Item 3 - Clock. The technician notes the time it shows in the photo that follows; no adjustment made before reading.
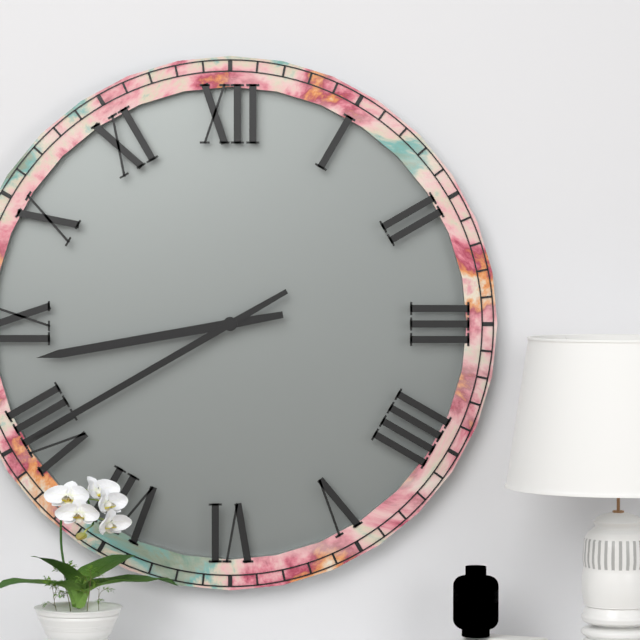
8:40
